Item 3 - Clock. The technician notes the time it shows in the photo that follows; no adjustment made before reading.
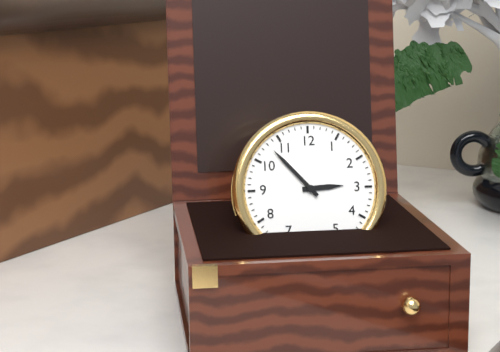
2:53
